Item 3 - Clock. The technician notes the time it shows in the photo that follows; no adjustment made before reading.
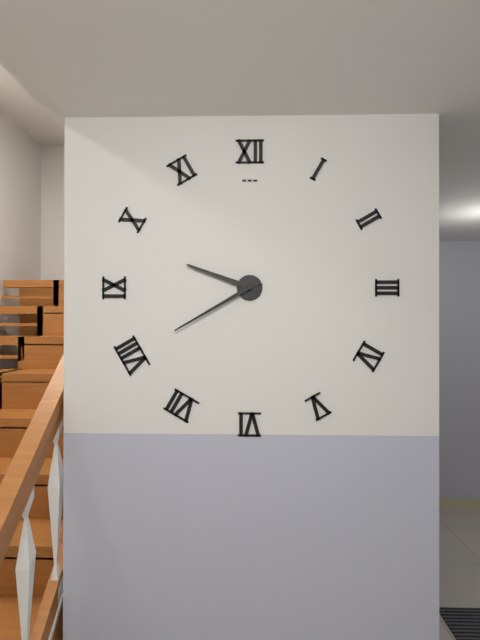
9:40
